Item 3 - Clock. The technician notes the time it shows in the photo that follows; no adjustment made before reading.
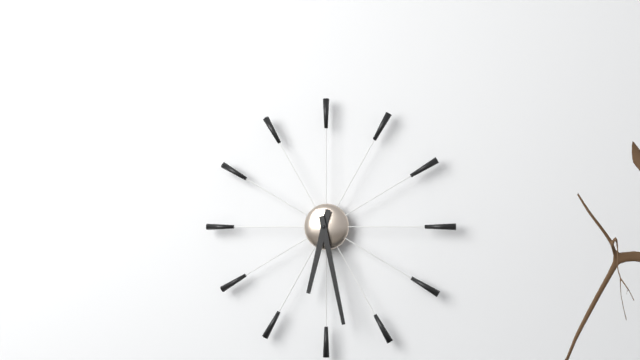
6:28
